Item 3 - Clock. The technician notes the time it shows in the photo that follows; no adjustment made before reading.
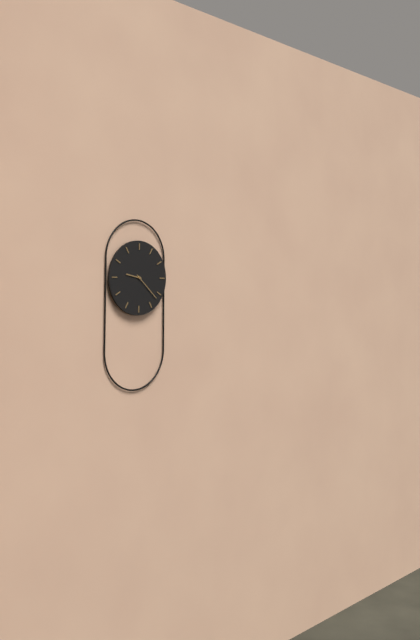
9:22
